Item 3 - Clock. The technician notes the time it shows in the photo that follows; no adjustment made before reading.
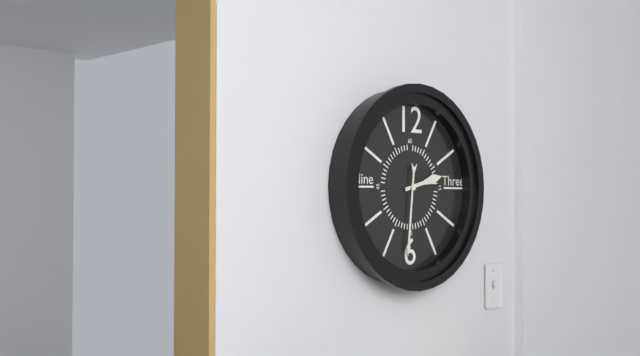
2:31
